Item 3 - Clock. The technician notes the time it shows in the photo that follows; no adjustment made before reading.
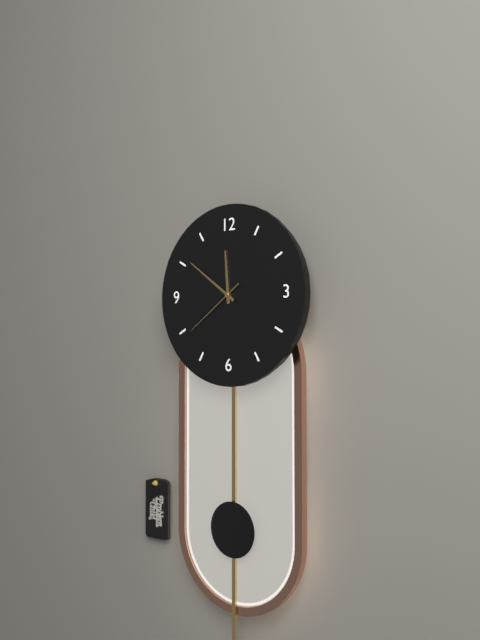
11:51:39
